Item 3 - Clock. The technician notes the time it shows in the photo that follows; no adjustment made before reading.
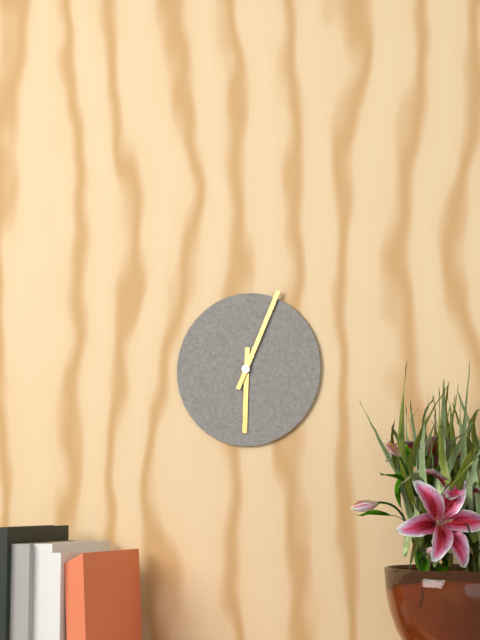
6:04
